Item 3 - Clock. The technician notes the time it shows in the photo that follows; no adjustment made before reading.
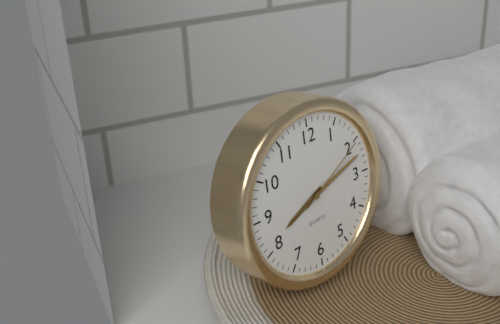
8:12:10
